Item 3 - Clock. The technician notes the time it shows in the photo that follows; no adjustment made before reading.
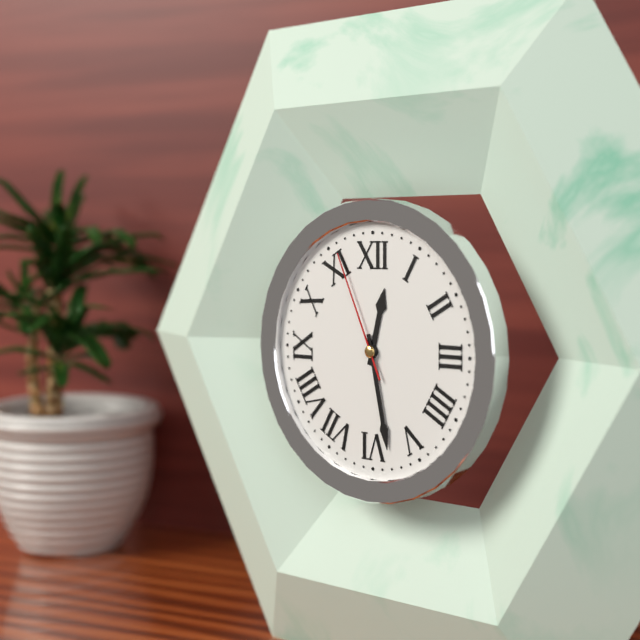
12:28:56
